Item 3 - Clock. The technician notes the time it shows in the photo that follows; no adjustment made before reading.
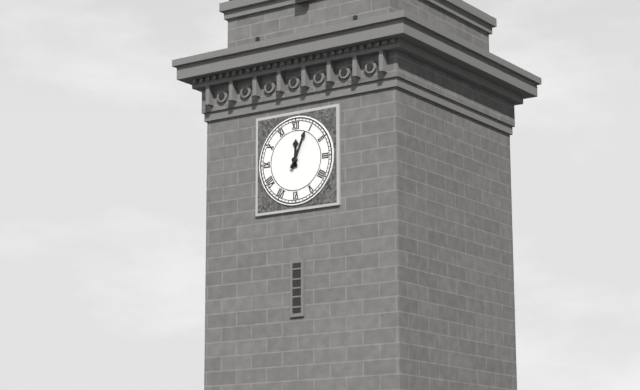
12:04
